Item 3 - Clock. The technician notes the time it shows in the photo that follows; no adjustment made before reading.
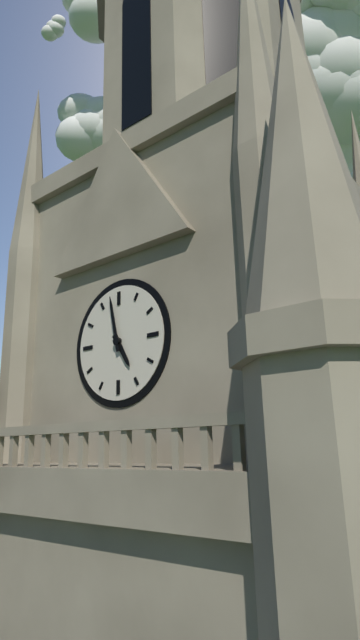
4:58
